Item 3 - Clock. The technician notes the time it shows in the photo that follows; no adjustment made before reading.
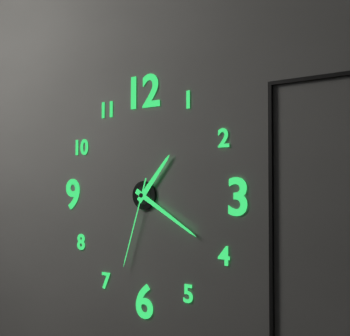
1:20:33
